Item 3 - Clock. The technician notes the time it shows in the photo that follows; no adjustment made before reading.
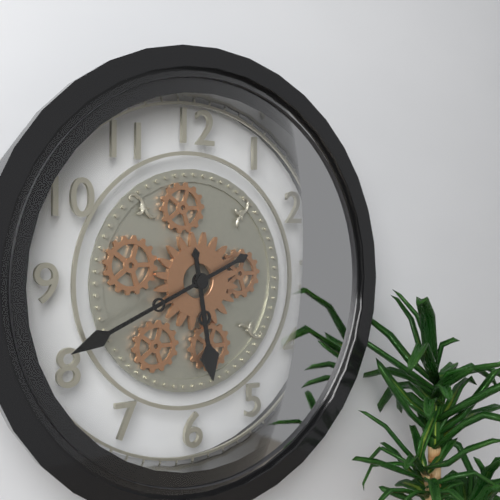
5:41
